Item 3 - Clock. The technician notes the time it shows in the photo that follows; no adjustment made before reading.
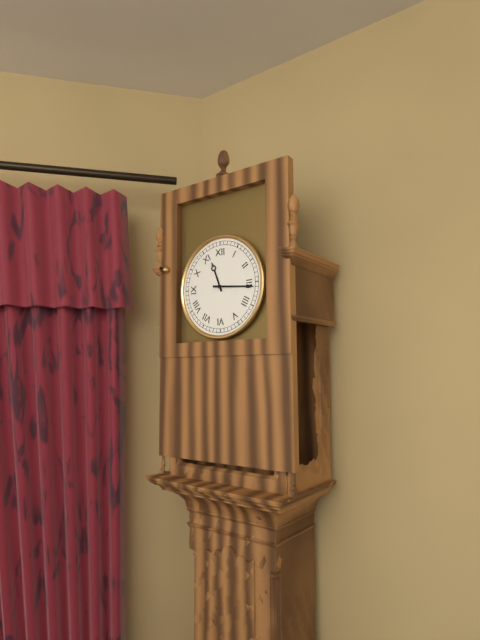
11:16
